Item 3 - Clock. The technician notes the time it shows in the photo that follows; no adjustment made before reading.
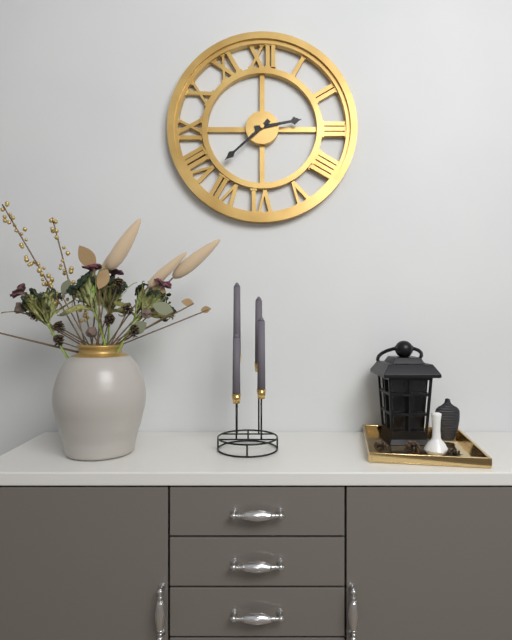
2:38
